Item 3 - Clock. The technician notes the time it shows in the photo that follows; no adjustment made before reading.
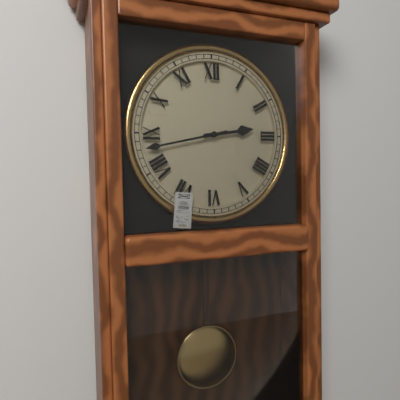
2:43
